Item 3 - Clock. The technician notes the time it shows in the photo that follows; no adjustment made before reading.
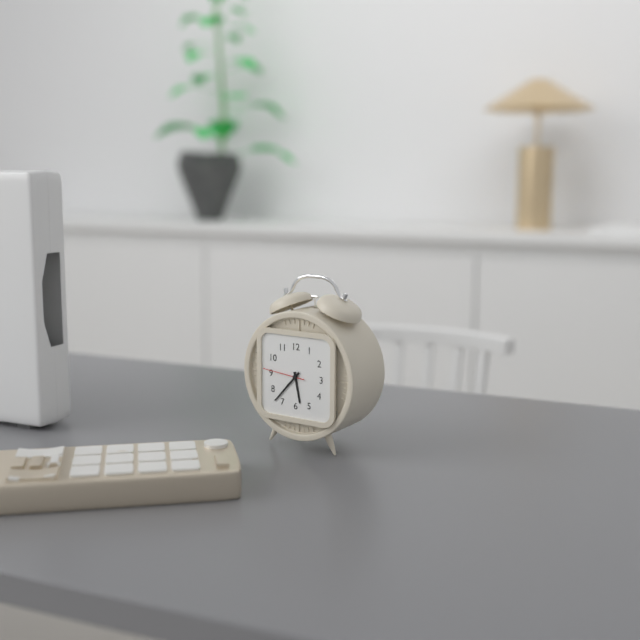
5:37
